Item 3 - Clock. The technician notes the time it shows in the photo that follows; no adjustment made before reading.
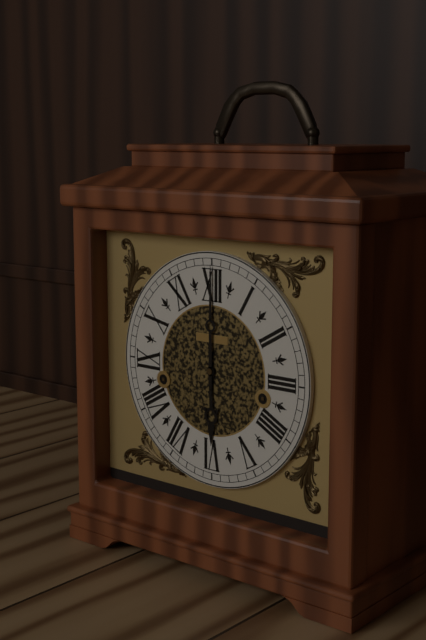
6:00
